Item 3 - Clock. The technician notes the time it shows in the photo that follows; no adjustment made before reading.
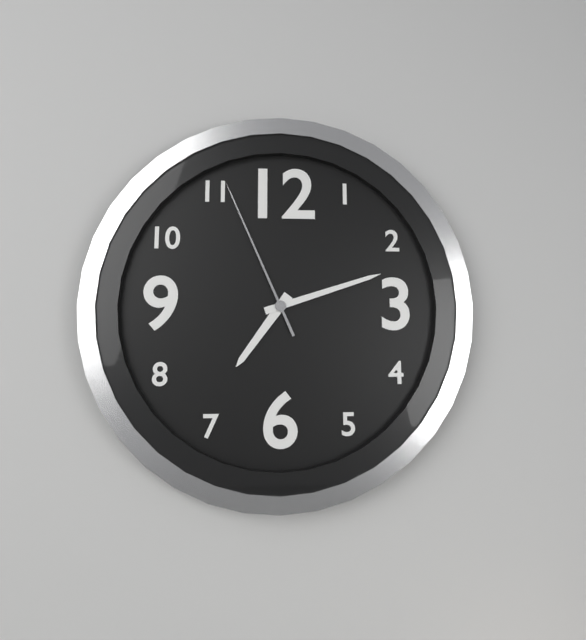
7:12:56
